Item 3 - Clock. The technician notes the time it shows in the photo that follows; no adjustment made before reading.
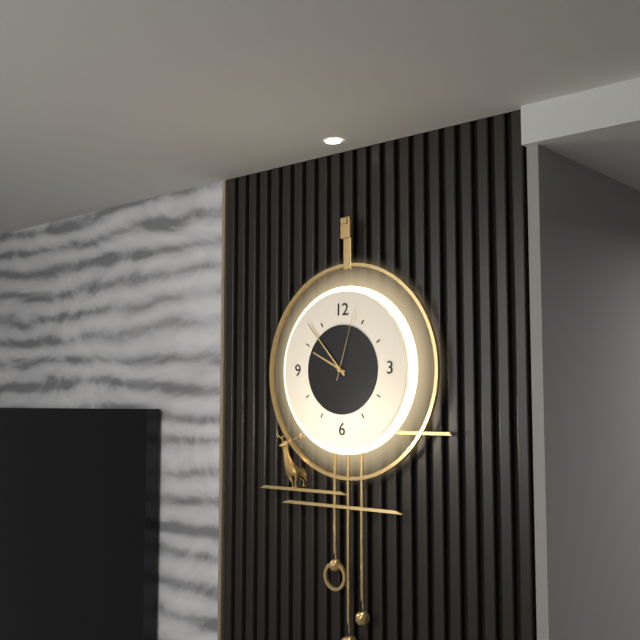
9:53:03
